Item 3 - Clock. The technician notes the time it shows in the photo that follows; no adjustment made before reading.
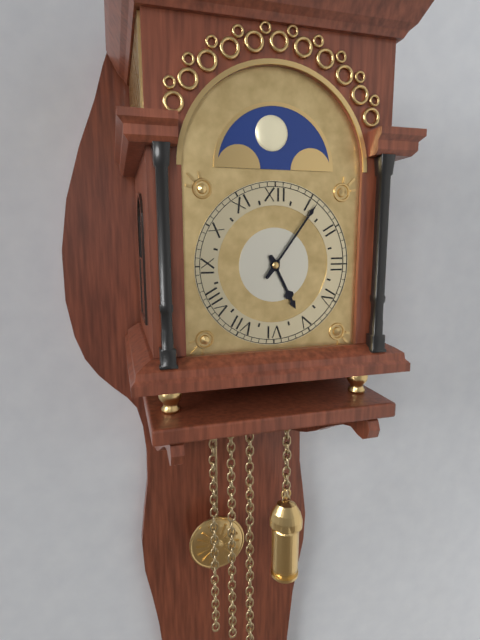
5:06
